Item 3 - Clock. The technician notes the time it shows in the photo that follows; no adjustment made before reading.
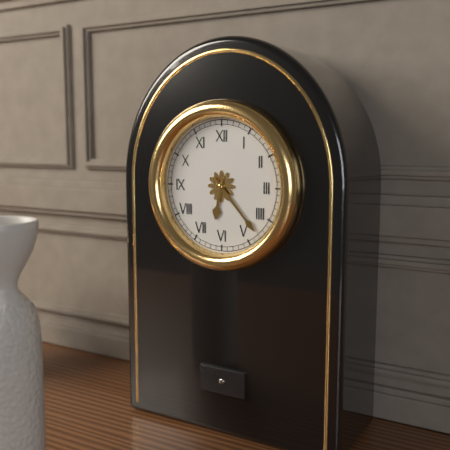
6:23
